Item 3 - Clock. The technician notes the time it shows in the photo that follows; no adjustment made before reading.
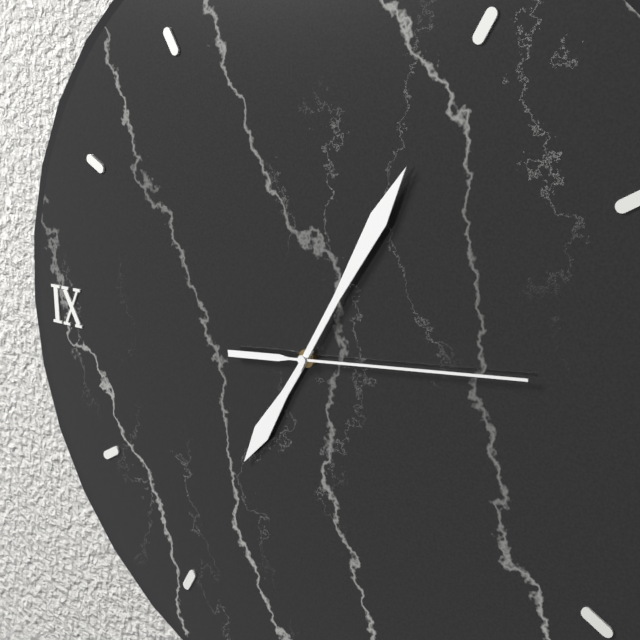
7:05:14
